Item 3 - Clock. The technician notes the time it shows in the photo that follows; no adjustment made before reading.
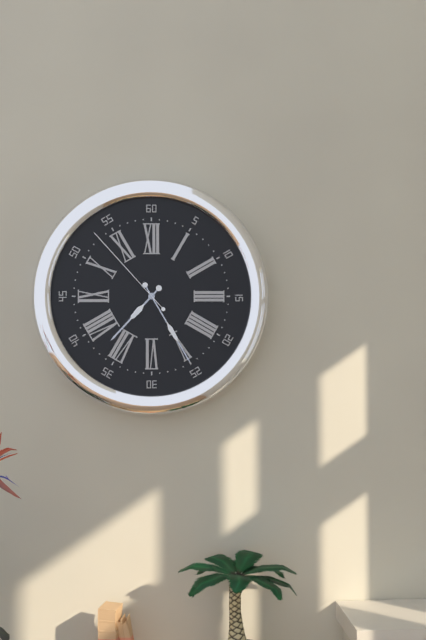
7:25:53
